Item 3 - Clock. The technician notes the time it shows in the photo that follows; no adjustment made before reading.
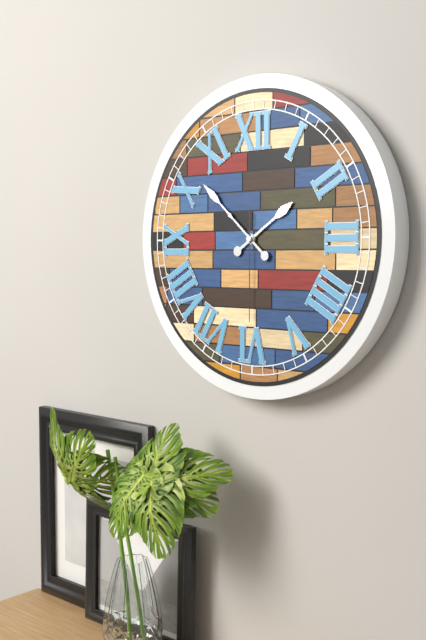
1:52:30
